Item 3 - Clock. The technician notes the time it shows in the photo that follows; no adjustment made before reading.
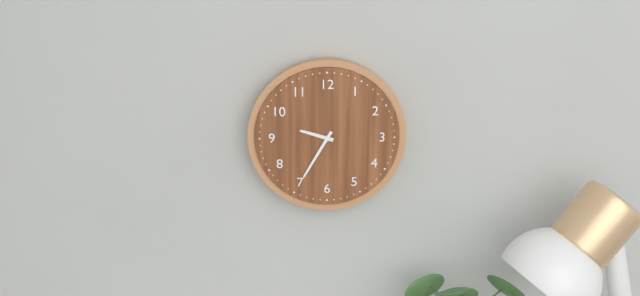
9:35
